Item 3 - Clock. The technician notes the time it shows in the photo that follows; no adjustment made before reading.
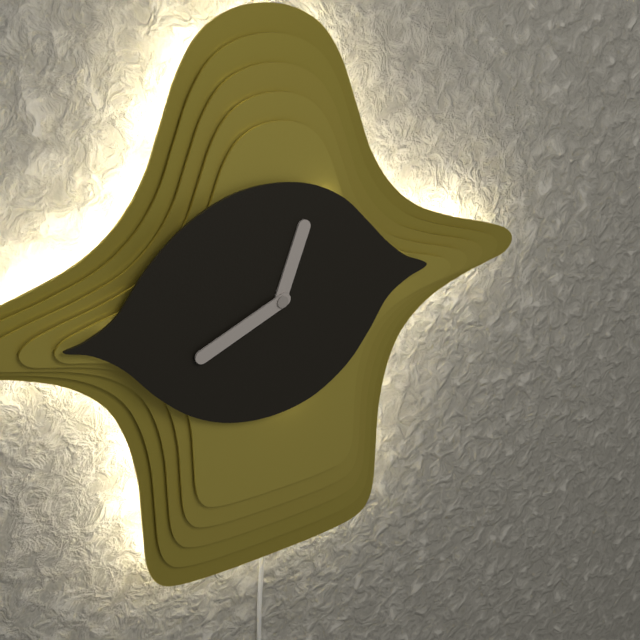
12:41
